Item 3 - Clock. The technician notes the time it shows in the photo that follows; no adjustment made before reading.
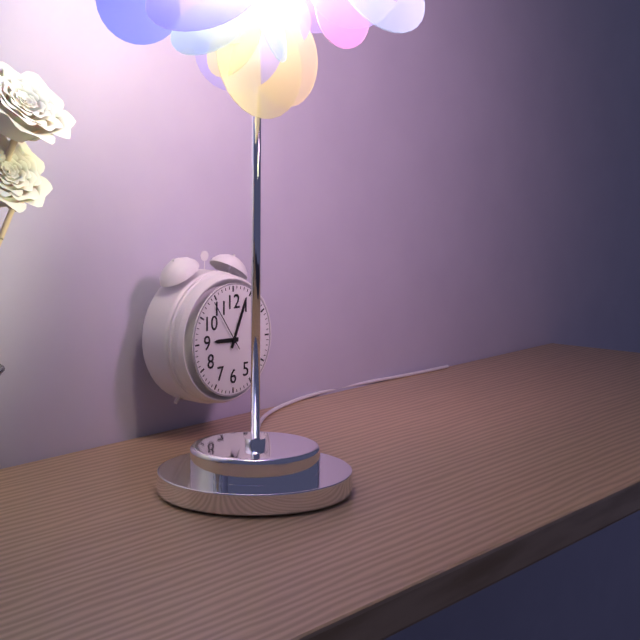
9:04:54
